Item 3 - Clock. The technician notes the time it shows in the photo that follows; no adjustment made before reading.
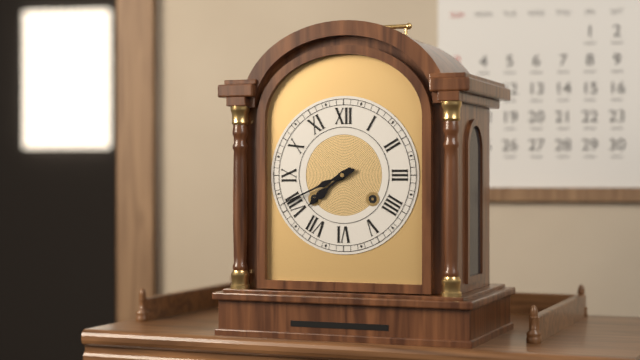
7:41
